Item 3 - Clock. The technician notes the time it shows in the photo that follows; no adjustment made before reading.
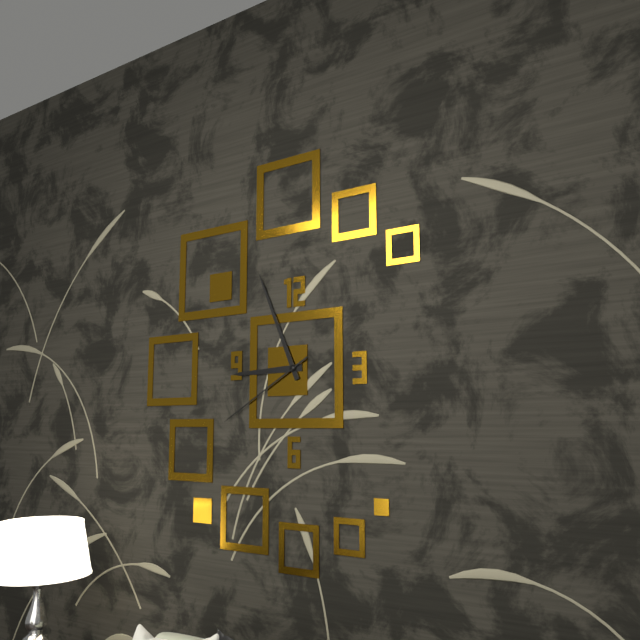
8:56:40
